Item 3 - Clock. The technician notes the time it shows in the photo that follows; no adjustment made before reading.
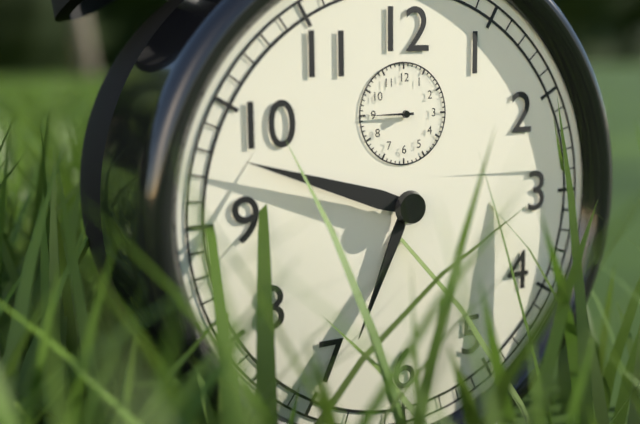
6:48
